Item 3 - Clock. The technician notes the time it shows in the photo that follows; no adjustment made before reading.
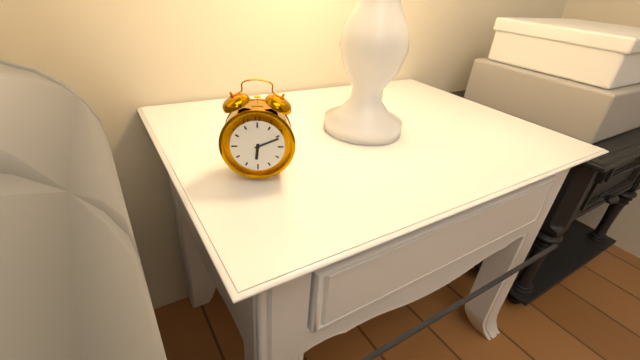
6:11
